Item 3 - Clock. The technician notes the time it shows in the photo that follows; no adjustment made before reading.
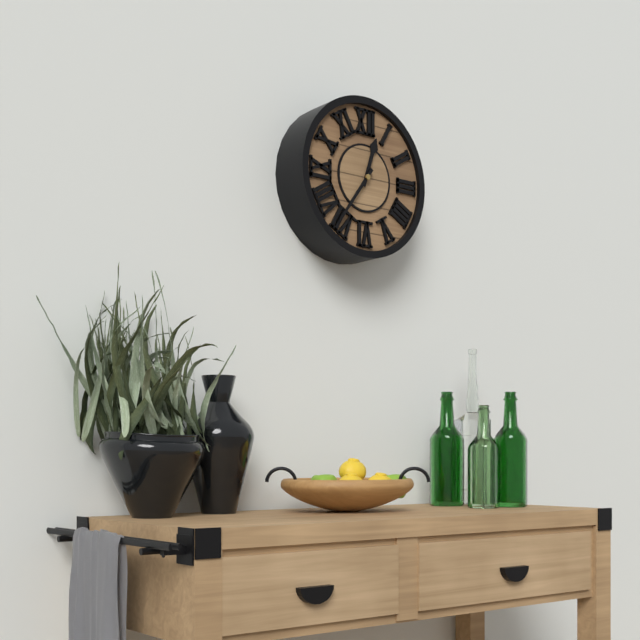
12:36
